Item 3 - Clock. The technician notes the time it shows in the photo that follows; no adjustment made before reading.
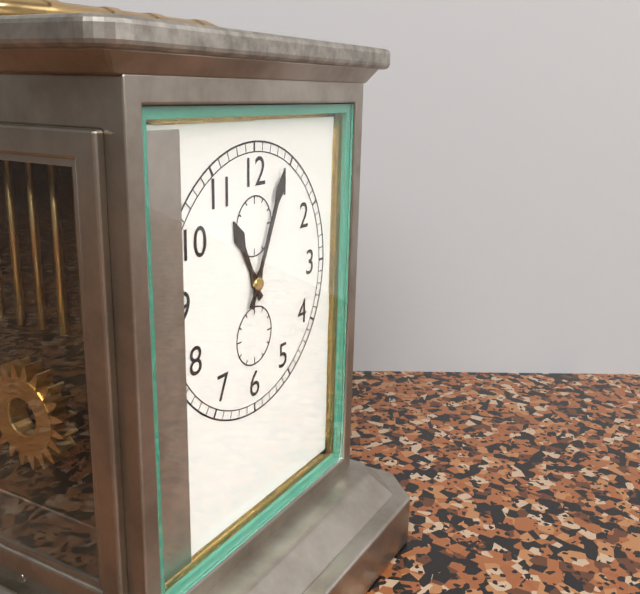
11:04
